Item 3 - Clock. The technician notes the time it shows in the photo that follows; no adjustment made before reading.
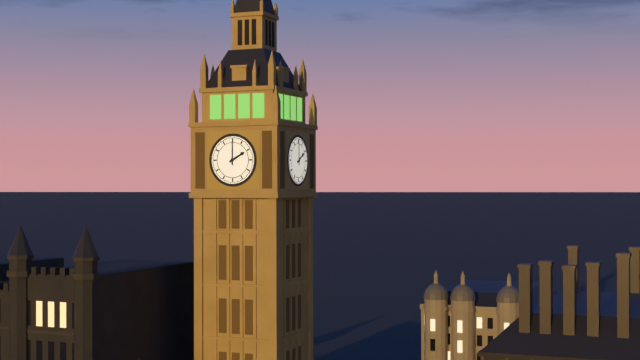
2:00
